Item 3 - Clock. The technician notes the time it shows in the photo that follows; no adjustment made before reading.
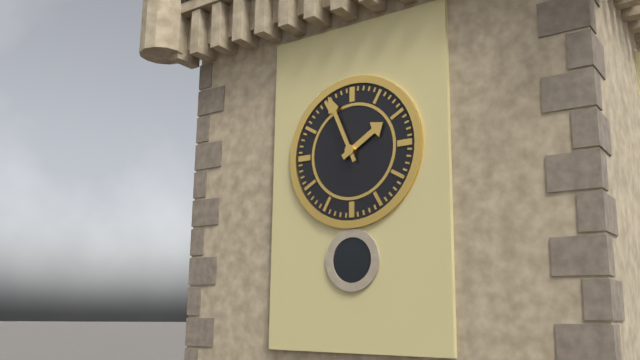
1:56
